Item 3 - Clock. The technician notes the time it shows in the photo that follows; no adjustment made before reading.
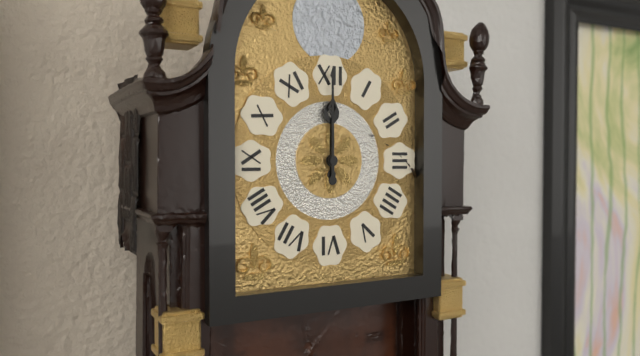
12:00
